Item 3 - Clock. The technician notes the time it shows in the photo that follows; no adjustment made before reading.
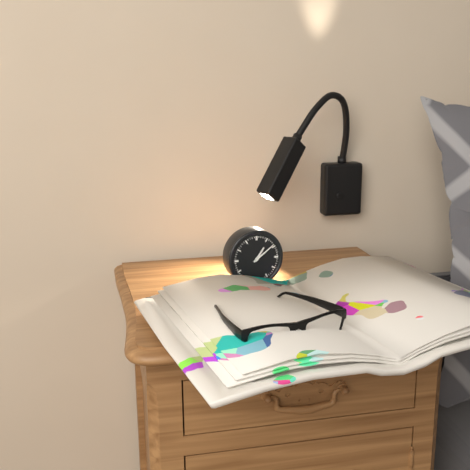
1:09
